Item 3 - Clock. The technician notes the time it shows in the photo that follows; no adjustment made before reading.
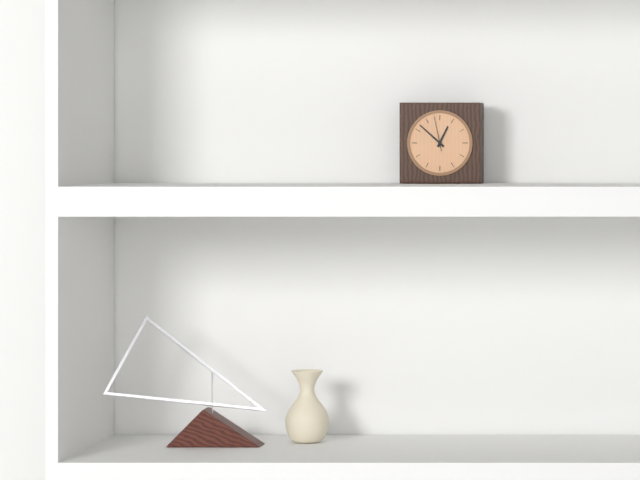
12:52
